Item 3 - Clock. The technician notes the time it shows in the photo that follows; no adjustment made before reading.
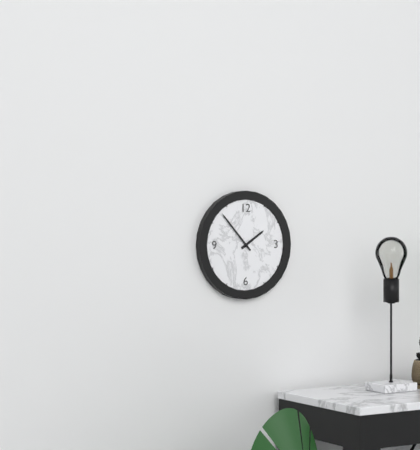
1:53
